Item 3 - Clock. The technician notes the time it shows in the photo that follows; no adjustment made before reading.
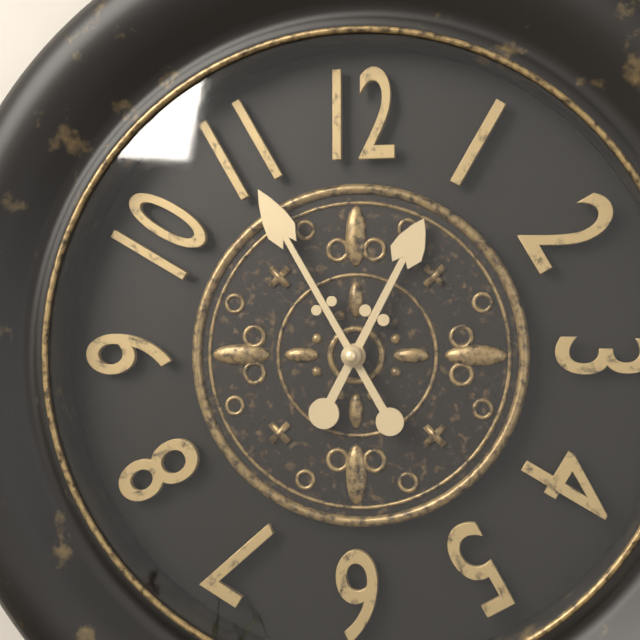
12:55
